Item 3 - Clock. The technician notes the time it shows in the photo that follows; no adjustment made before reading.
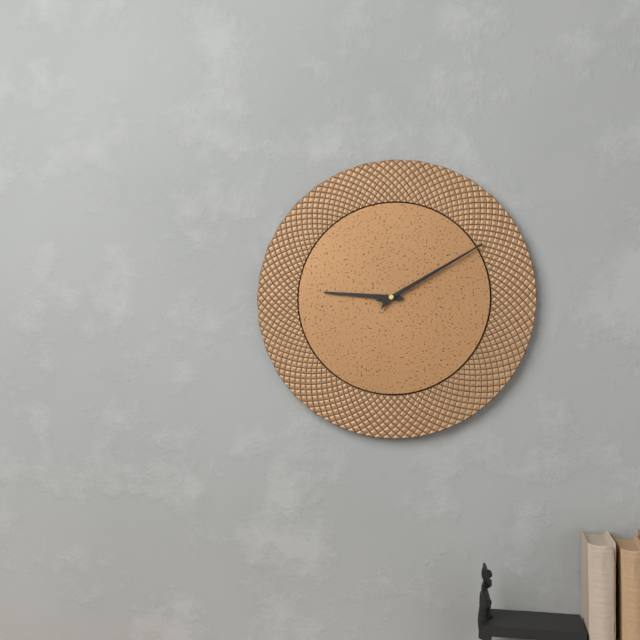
9:10
